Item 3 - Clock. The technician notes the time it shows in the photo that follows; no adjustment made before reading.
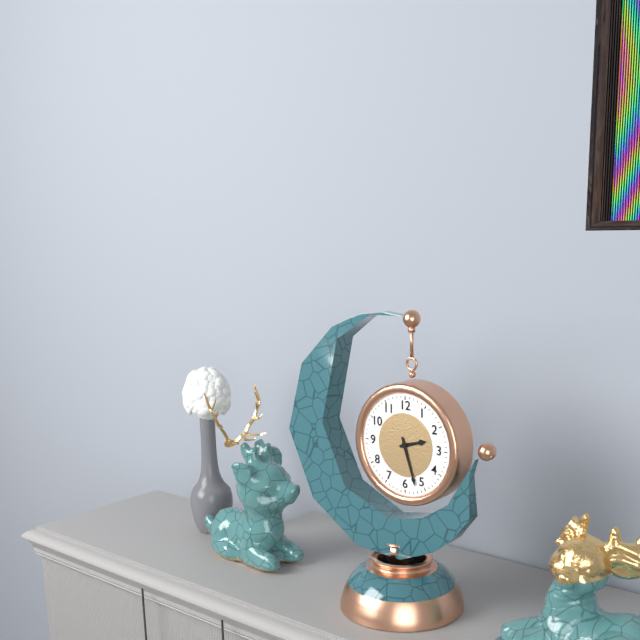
2:27
